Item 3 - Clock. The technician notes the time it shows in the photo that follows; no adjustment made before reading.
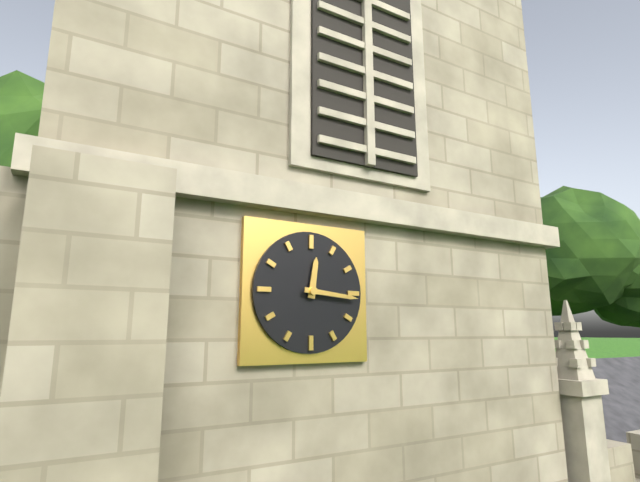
12:16
